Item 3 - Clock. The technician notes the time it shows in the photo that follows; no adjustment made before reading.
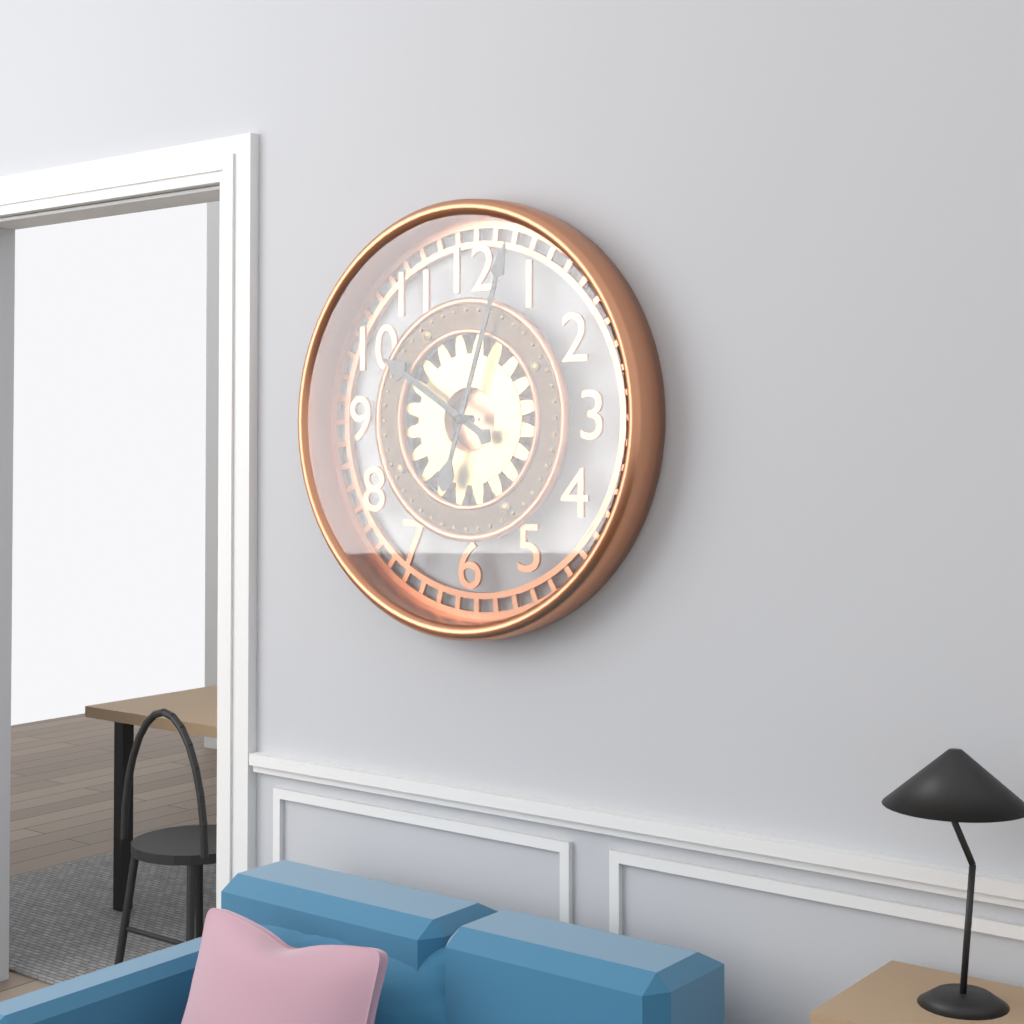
10:03
